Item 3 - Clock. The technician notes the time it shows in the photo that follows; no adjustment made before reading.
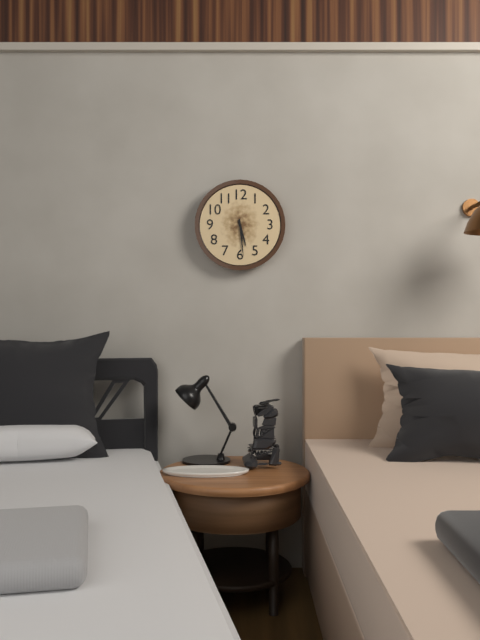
5:29
